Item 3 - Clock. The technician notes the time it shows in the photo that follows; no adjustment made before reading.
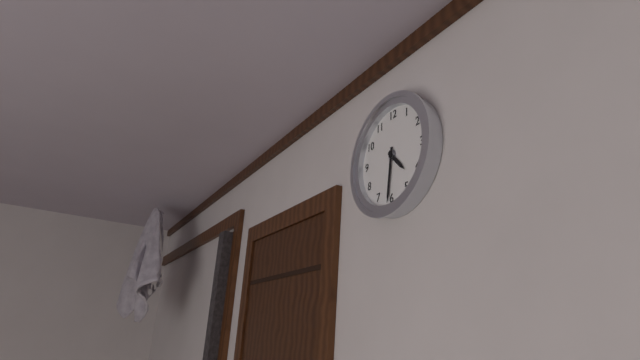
4:31
